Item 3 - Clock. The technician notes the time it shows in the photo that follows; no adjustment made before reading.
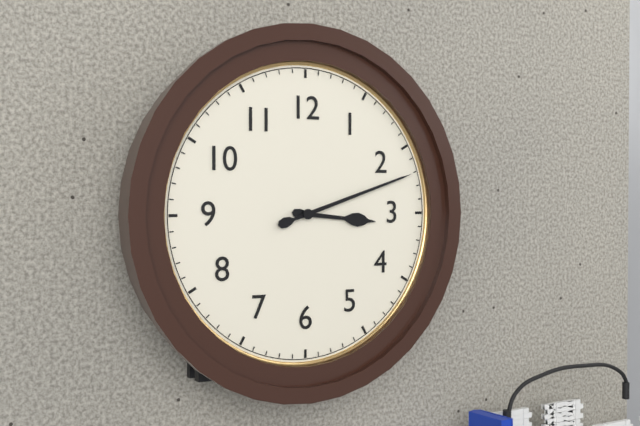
3:12
